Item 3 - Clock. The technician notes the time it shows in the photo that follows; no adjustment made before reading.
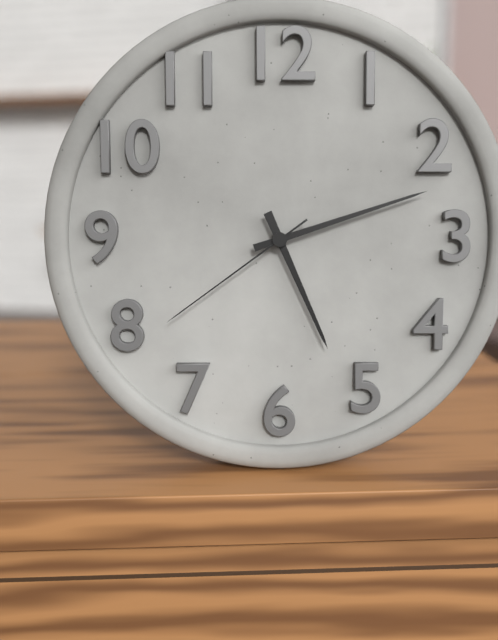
5:12:39
